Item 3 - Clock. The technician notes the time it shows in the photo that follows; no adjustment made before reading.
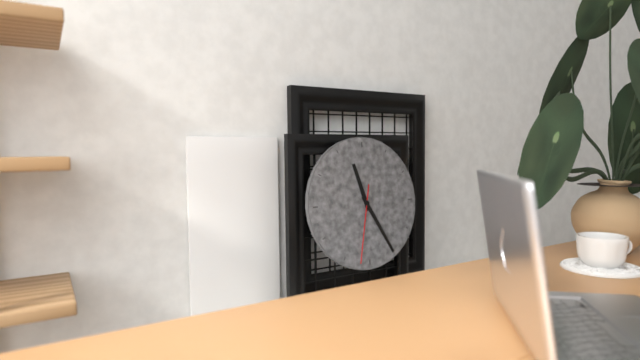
11:25:32
